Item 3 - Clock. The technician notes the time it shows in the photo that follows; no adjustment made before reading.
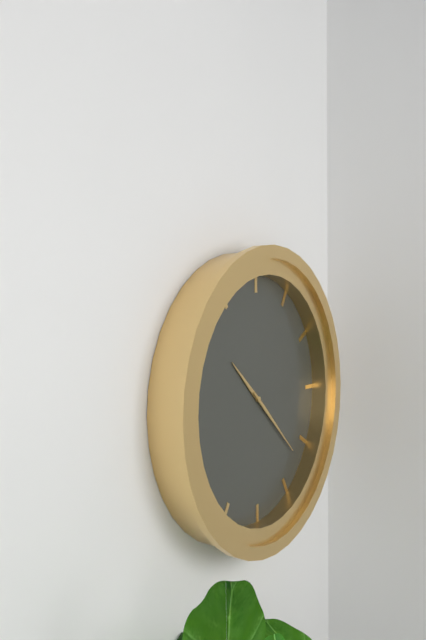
10:22
